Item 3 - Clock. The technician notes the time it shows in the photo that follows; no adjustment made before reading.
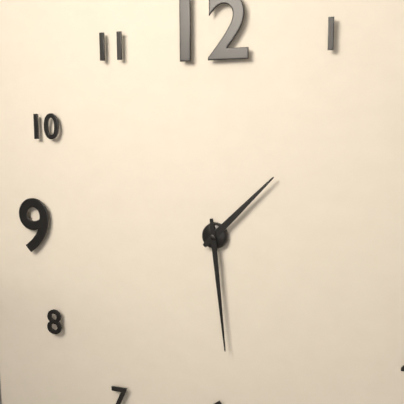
1:29
